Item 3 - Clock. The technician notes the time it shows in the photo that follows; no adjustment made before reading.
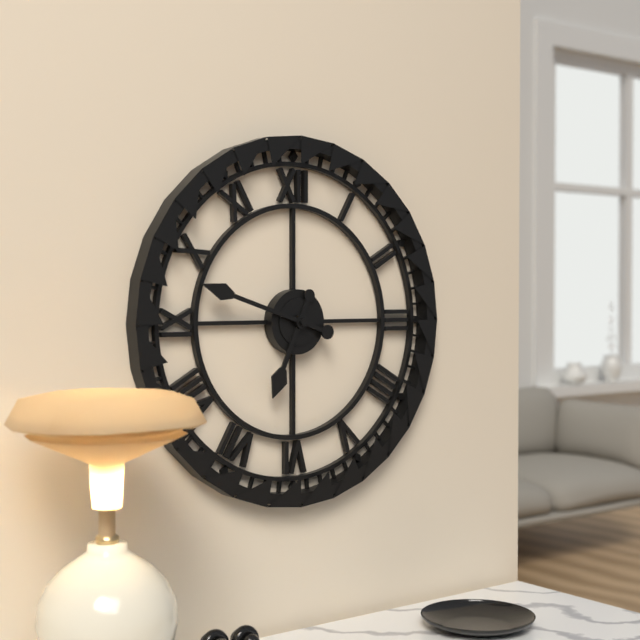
6:48
